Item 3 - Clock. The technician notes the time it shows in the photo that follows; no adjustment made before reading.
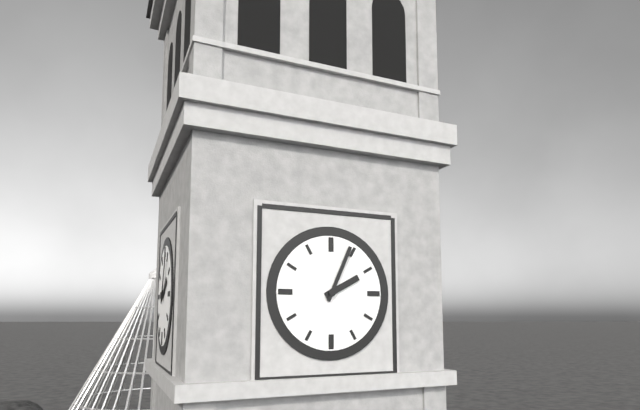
2:04
